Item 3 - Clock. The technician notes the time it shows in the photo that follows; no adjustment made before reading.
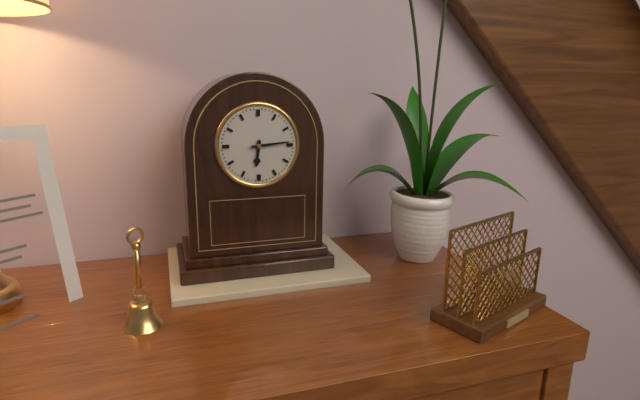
6:14
